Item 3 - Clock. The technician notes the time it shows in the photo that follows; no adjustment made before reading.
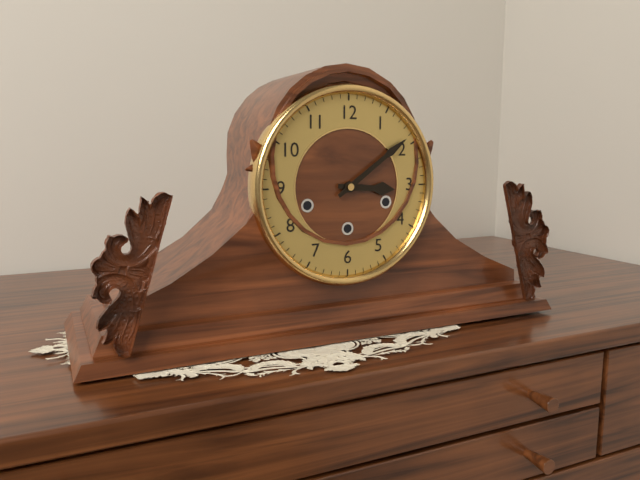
3:09
